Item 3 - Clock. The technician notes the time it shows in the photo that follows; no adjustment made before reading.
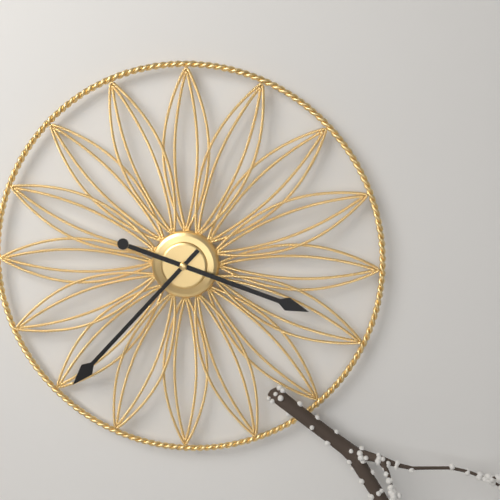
3:37
